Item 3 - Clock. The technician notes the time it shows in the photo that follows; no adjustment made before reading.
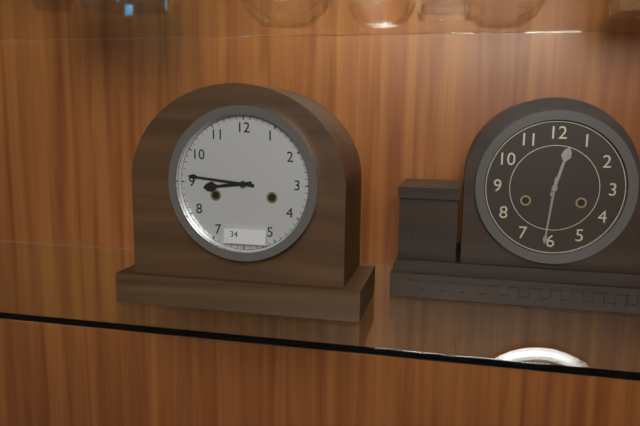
8:46
